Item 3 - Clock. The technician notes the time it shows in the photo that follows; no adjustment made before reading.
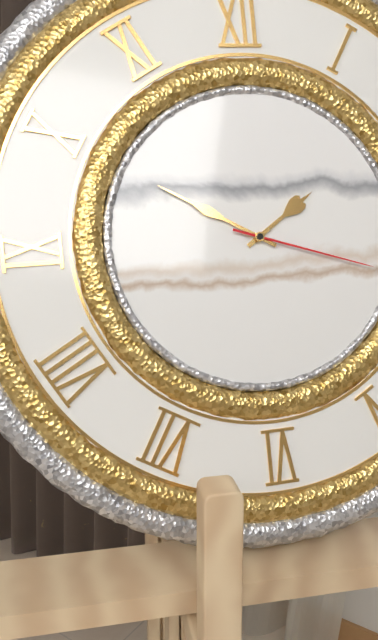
1:50:18
